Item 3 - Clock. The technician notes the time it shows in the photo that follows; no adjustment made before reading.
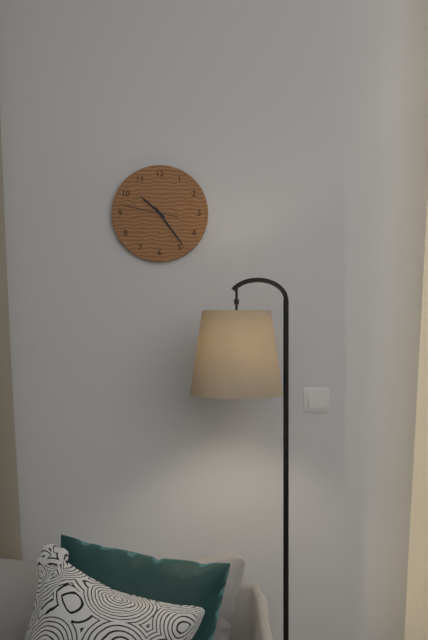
10:24
